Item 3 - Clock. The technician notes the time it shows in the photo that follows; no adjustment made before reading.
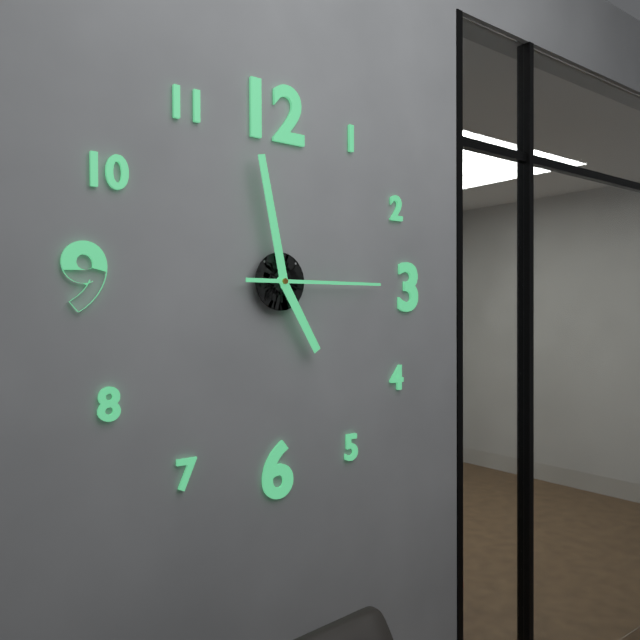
4:58:15
